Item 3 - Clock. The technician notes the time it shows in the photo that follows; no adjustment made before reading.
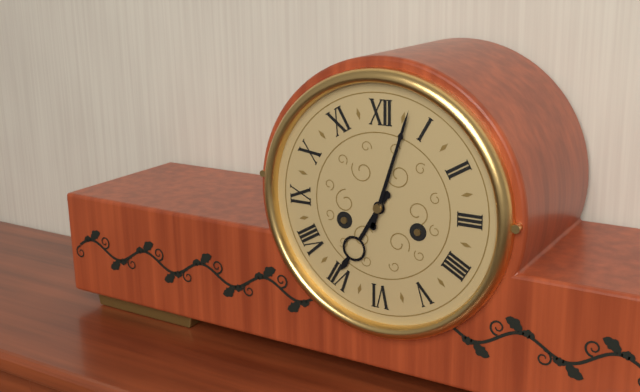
7:03
